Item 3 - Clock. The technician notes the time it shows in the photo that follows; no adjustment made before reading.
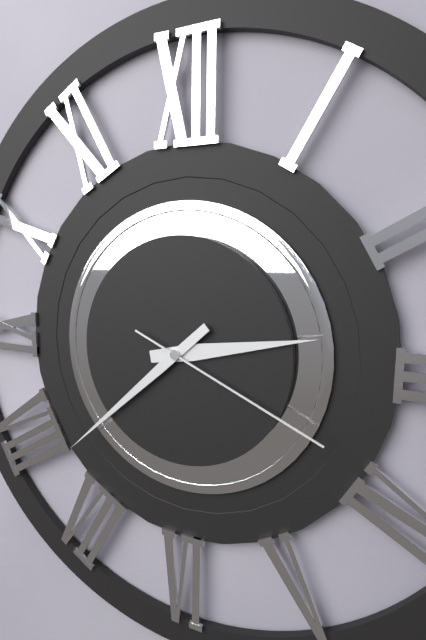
2:38:19
